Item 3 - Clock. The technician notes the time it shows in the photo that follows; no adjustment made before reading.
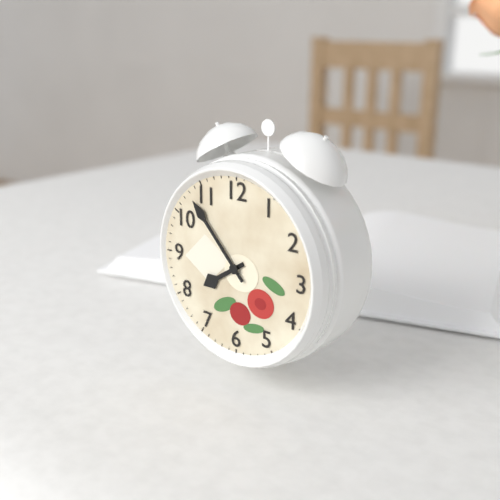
7:53
